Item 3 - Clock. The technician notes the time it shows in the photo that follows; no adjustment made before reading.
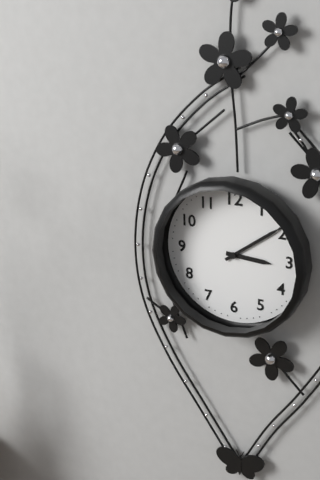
3:09
